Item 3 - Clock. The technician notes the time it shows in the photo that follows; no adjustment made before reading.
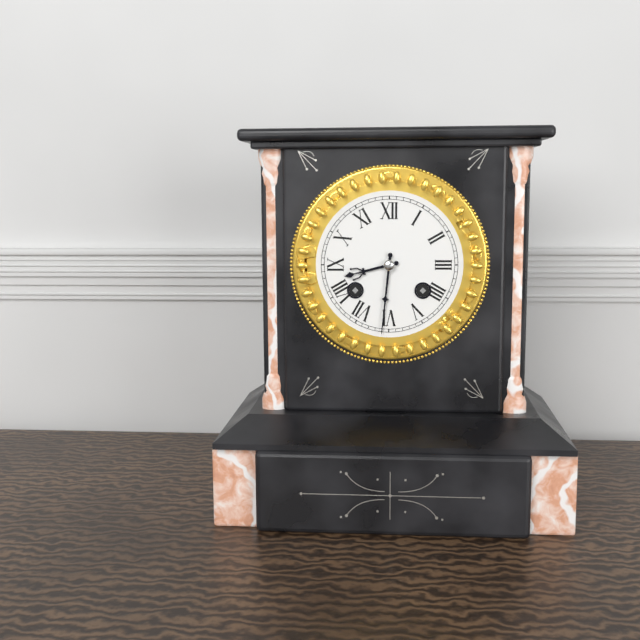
8:31
